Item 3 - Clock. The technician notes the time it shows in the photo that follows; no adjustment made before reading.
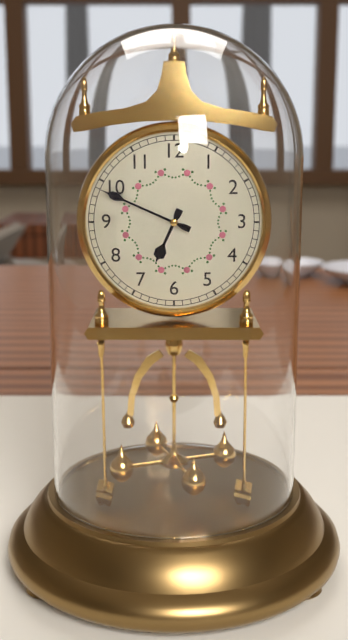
6:49
